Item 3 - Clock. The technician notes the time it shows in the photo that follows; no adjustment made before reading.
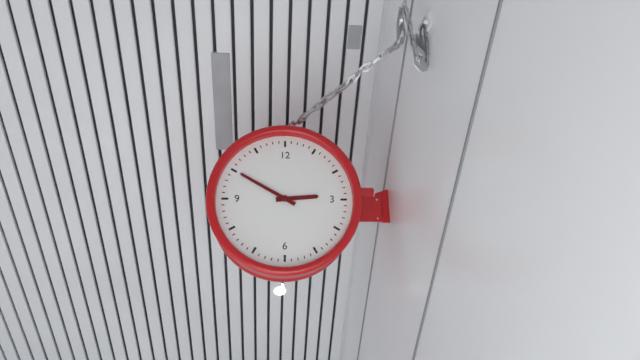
2:50
